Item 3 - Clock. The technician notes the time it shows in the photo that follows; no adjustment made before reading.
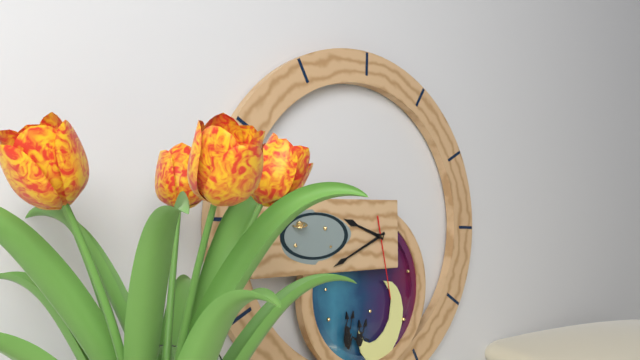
9:41:28
